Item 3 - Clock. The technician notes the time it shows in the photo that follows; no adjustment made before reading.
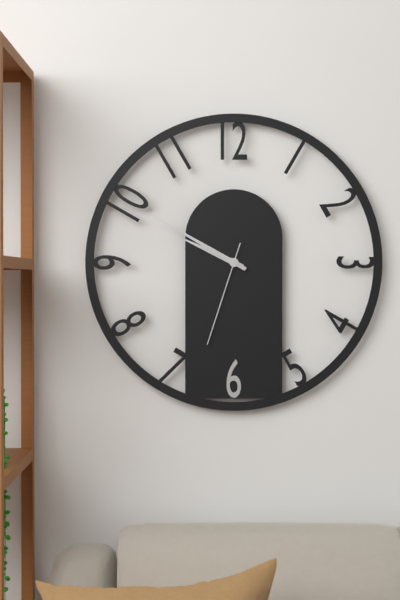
9:50:33
